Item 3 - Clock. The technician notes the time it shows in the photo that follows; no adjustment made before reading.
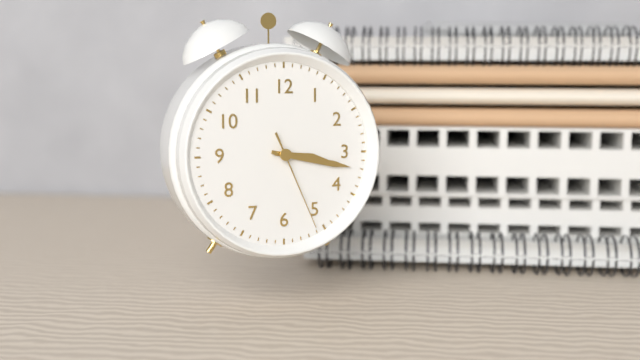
3:17:26
